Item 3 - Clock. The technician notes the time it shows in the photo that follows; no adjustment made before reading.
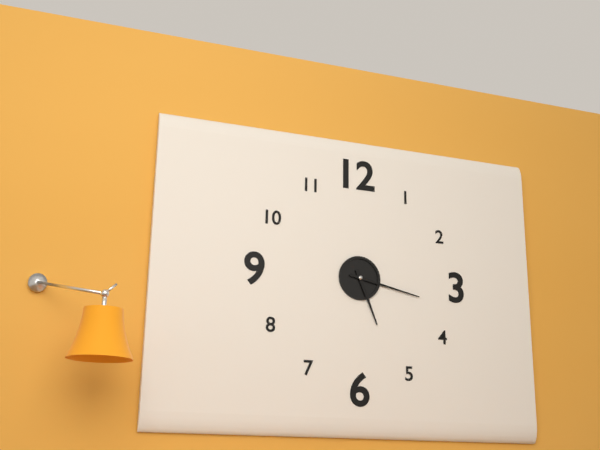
5:17
